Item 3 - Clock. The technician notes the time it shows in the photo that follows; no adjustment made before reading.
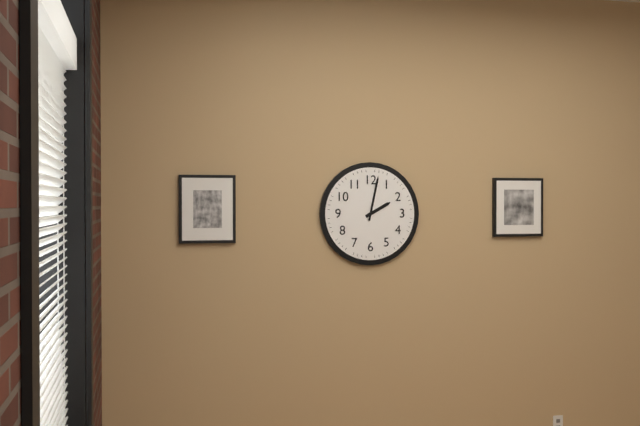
2:02
